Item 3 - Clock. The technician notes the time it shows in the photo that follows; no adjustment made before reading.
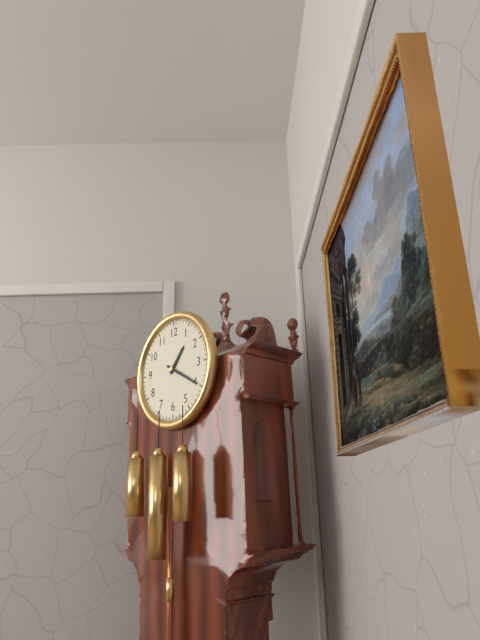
1:20
